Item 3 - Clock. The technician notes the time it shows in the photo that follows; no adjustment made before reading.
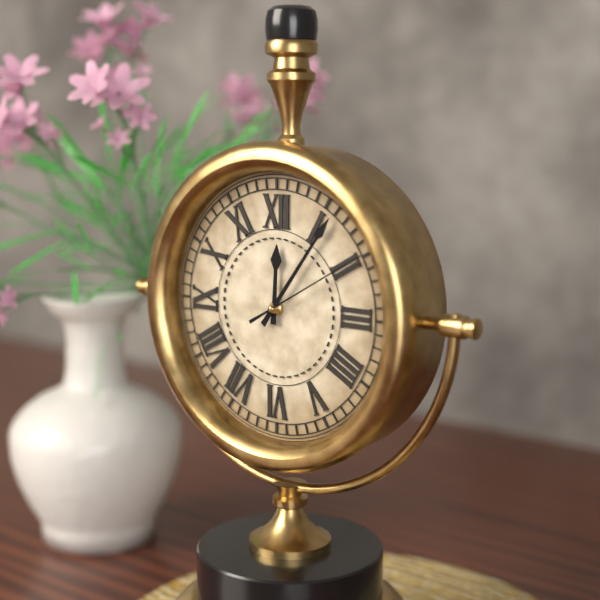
12:06:10
